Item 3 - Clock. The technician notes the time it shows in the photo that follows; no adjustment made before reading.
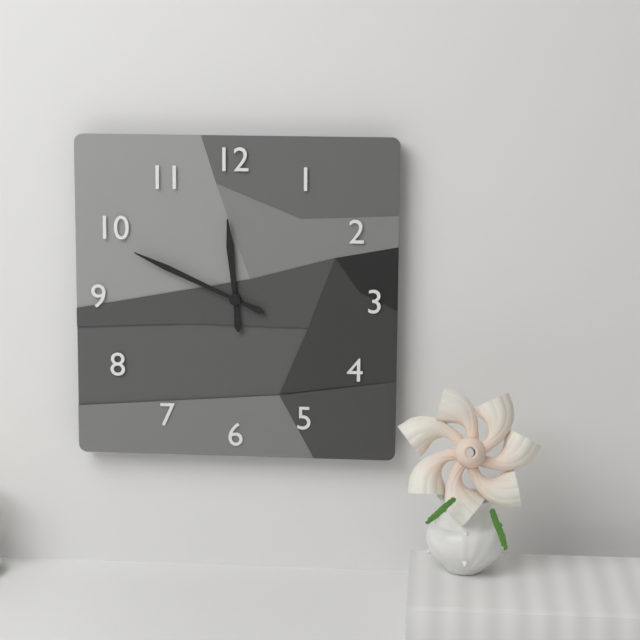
11:49
